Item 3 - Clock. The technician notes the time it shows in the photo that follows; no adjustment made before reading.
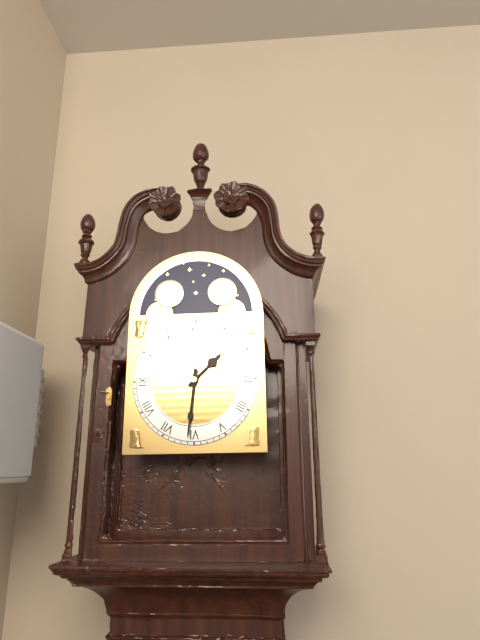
1:31
